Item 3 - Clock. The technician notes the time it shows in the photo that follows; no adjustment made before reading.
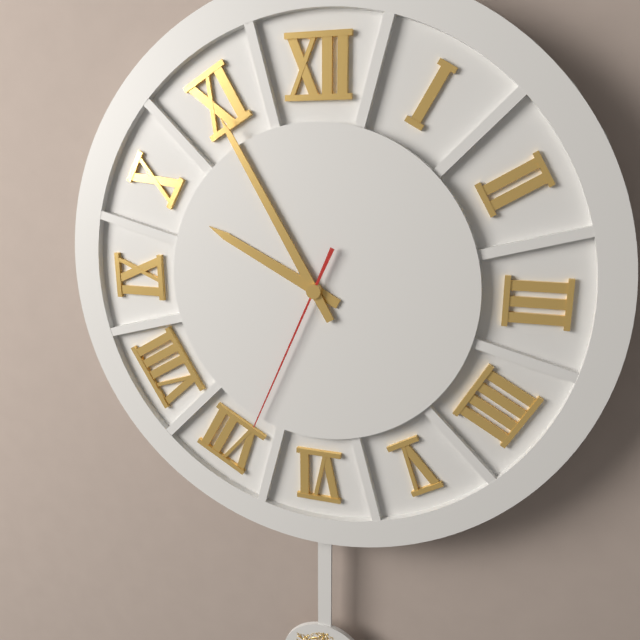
9:55:34
